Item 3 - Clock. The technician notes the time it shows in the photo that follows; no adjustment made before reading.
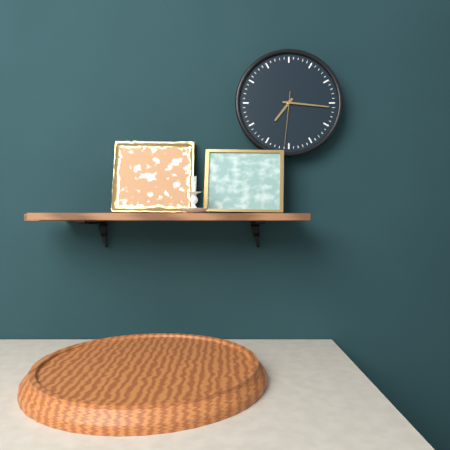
7:16
